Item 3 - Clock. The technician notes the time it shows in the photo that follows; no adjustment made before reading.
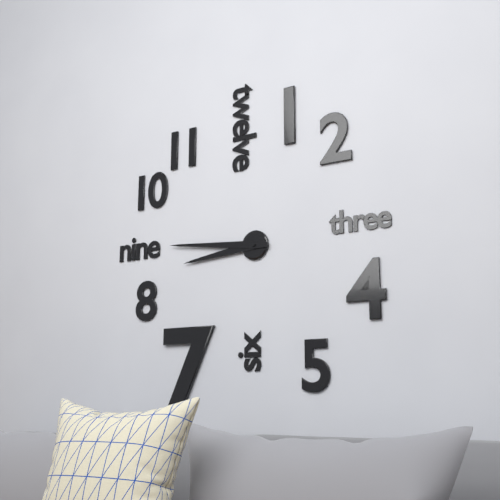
8:46
